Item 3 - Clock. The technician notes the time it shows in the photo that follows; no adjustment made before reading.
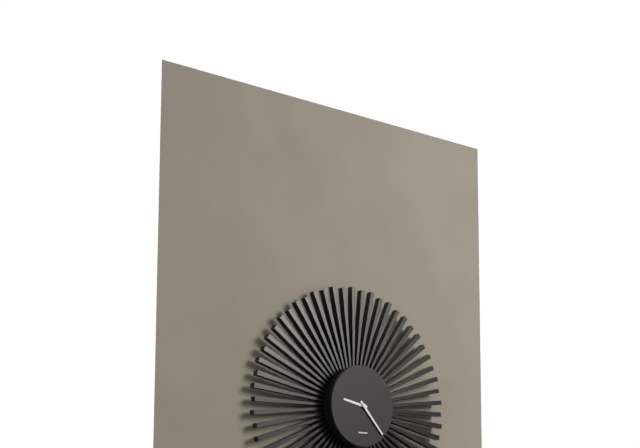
9:23
